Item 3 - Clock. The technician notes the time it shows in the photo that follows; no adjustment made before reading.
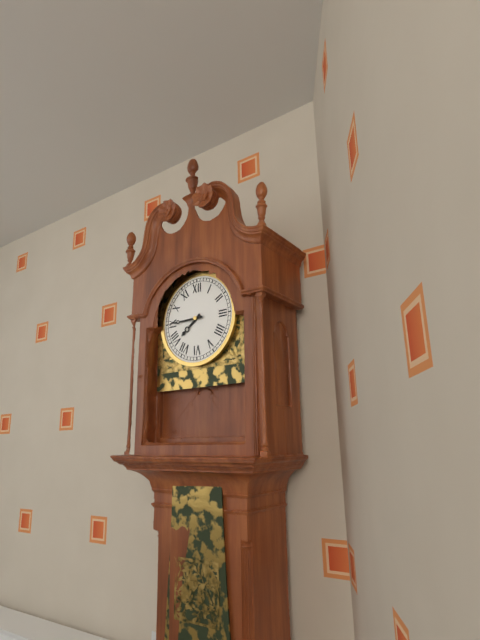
7:45
